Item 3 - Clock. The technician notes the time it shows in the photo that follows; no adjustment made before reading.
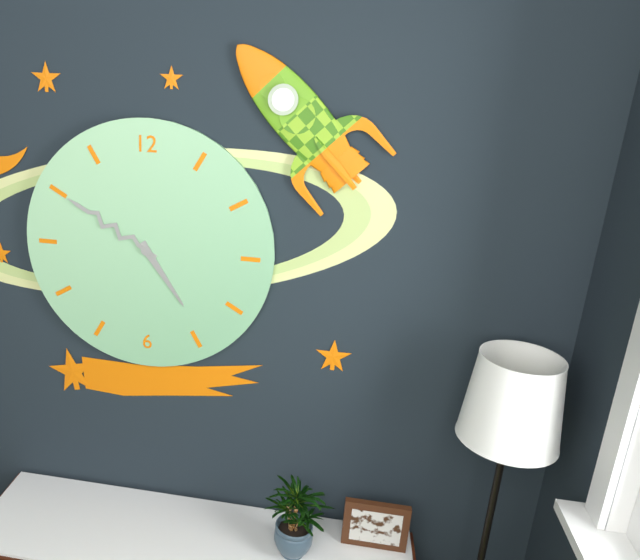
4:50
